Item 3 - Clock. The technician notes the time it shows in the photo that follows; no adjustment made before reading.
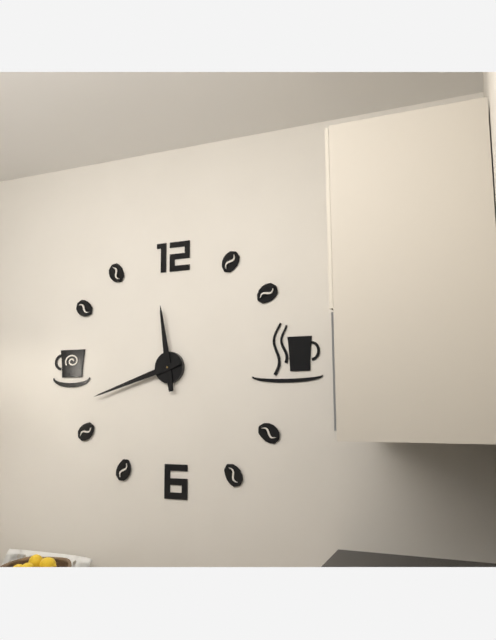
11:42
